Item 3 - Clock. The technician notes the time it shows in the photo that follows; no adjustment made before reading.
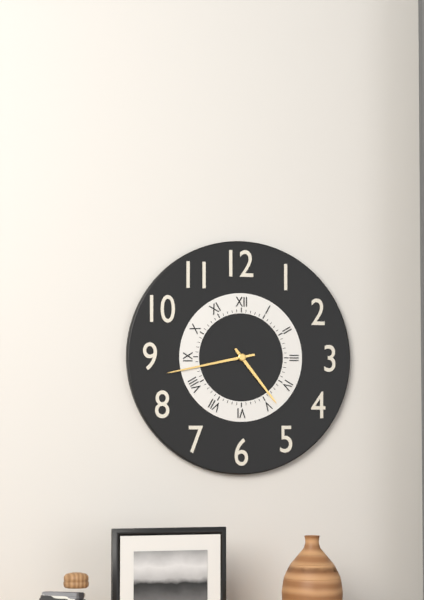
4:43
